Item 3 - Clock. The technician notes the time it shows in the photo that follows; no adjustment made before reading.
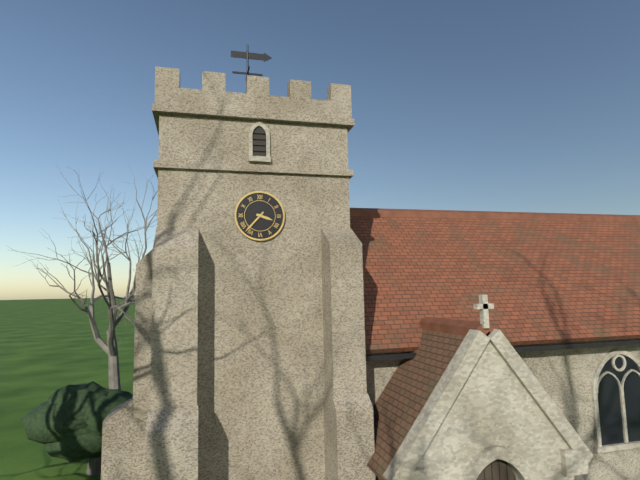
3:37
